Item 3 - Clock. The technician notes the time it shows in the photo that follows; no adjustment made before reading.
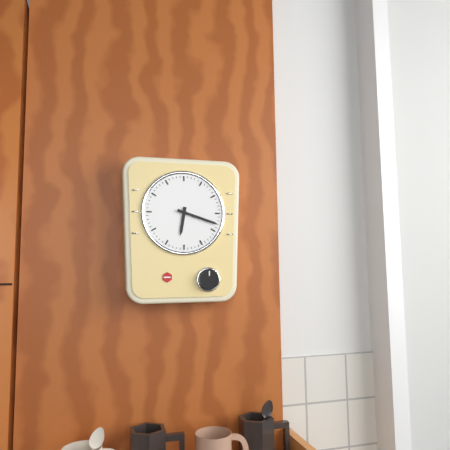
6:18
